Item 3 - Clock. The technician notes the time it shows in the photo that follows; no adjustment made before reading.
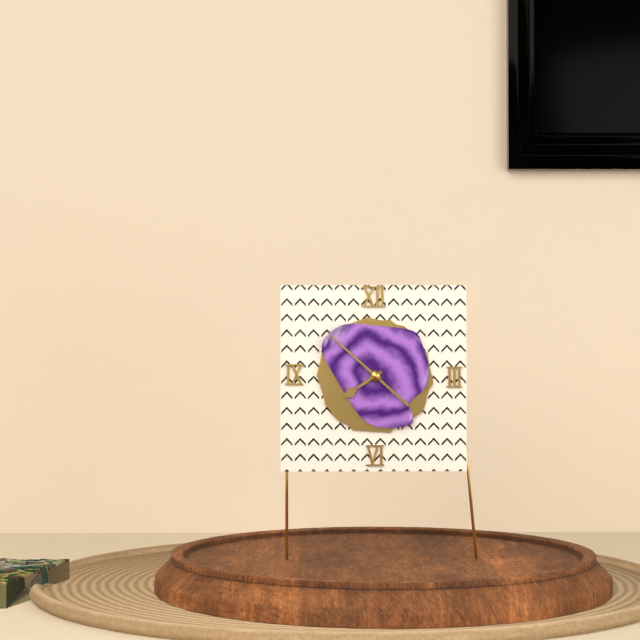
7:52
